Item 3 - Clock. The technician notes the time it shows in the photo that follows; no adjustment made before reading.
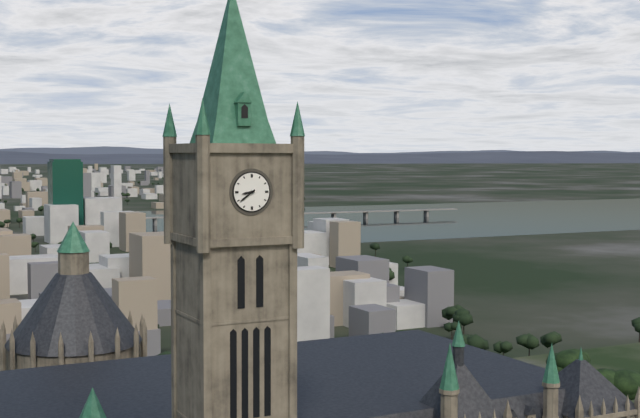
8:39
